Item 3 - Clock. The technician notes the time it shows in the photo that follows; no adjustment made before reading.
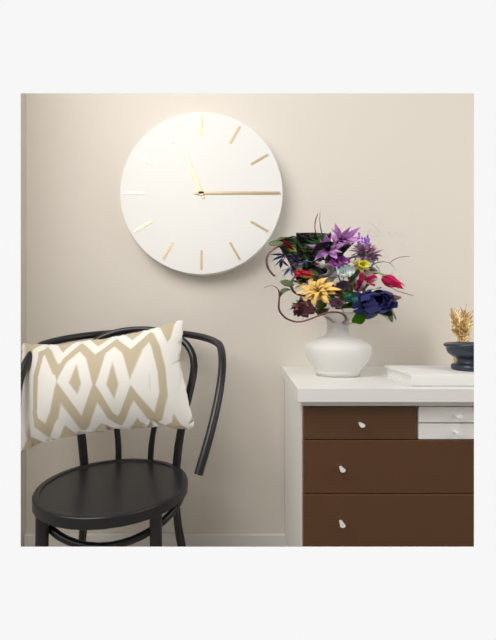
11:15
